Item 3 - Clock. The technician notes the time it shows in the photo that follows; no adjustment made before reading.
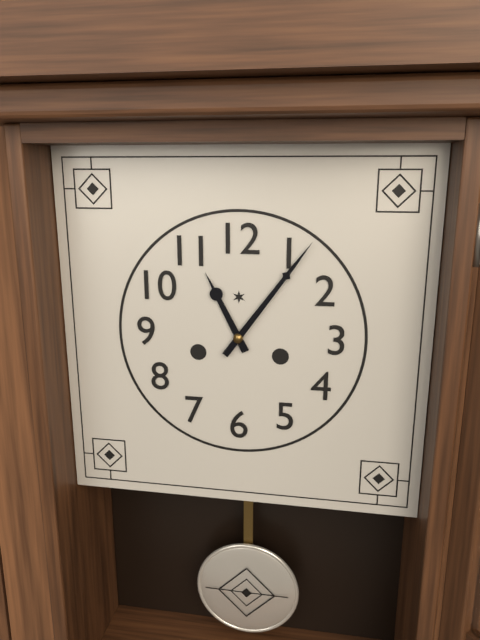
11:06
